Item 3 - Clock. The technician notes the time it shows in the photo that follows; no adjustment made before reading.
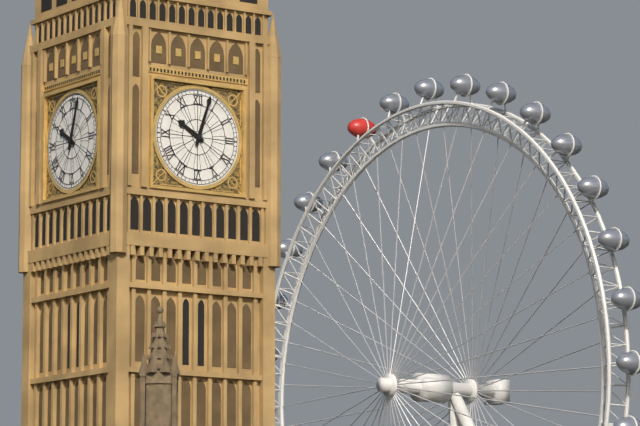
10:03
